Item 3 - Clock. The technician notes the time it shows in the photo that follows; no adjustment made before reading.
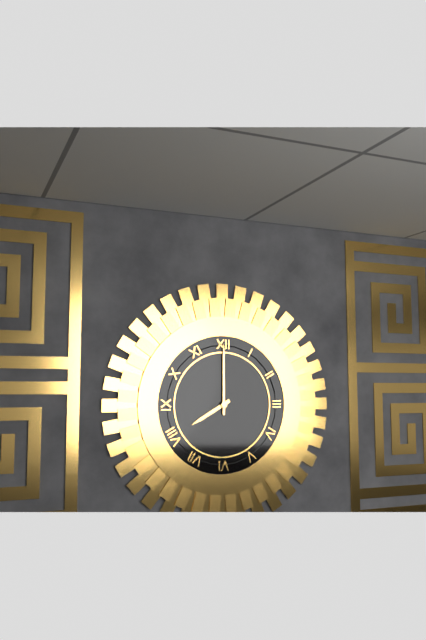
8:00
